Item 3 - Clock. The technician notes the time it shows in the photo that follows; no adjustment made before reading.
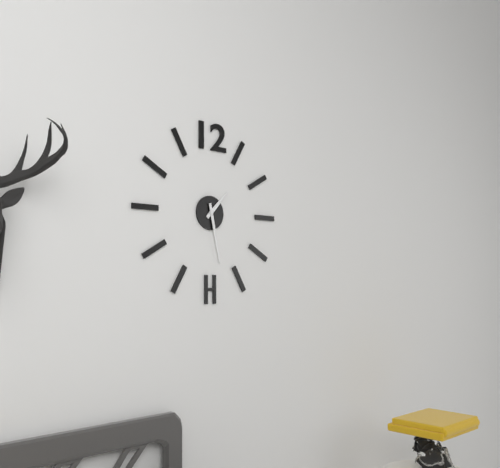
1:28
